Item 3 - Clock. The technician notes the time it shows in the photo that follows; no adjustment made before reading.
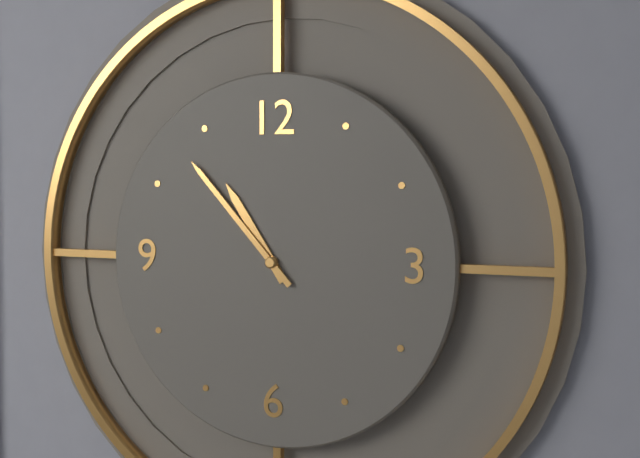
10:53
